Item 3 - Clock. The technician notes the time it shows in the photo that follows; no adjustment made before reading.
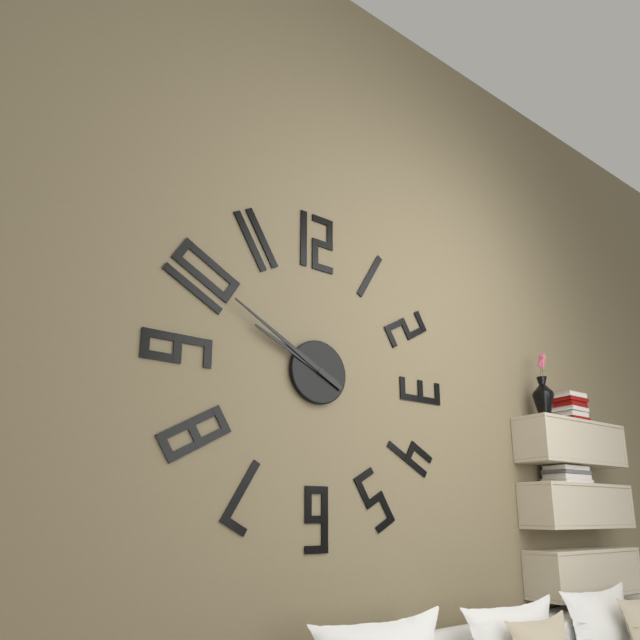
9:50
